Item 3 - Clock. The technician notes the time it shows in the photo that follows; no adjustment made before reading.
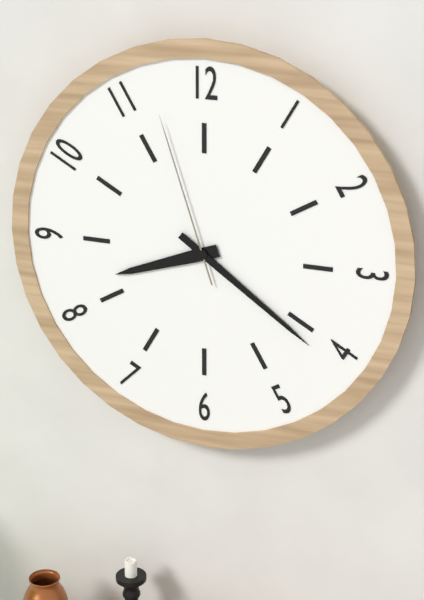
8:21:57
